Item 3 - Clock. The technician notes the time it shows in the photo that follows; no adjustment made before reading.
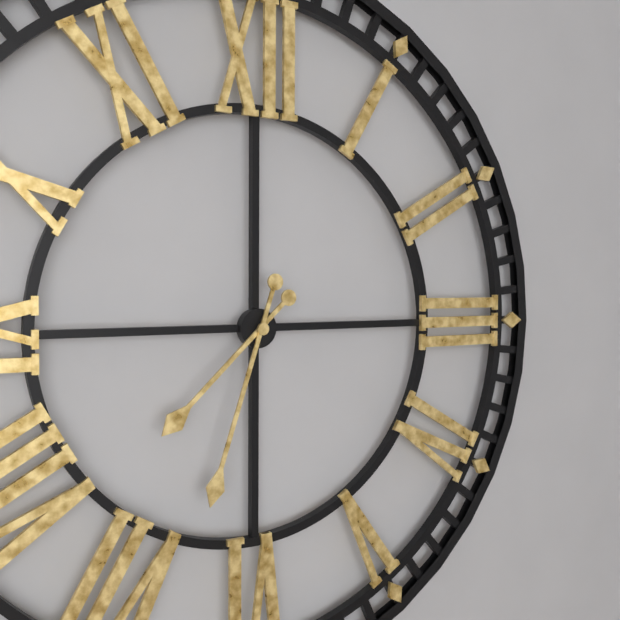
7:33
